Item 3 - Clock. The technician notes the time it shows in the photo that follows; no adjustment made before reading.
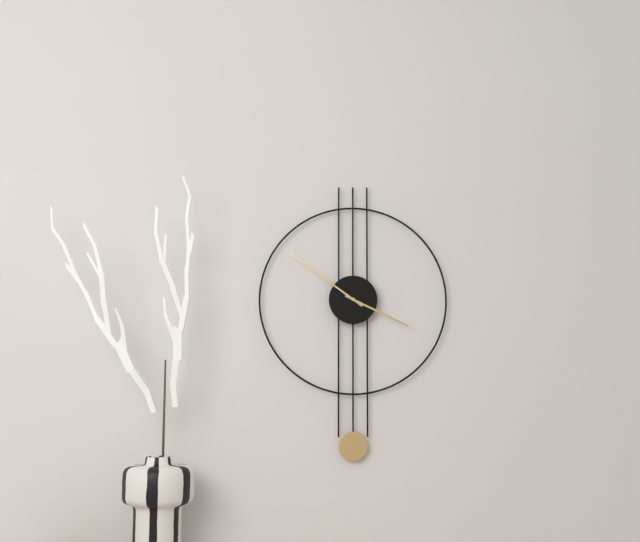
3:51
